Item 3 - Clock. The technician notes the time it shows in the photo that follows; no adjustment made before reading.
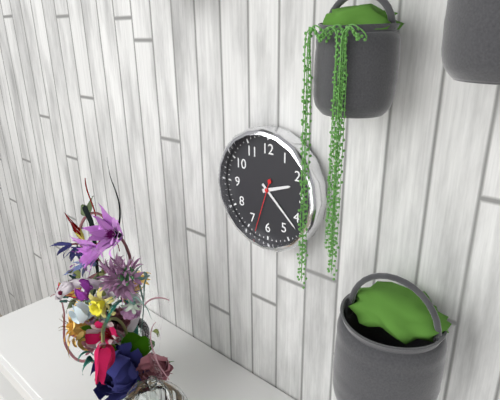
2:22:33
